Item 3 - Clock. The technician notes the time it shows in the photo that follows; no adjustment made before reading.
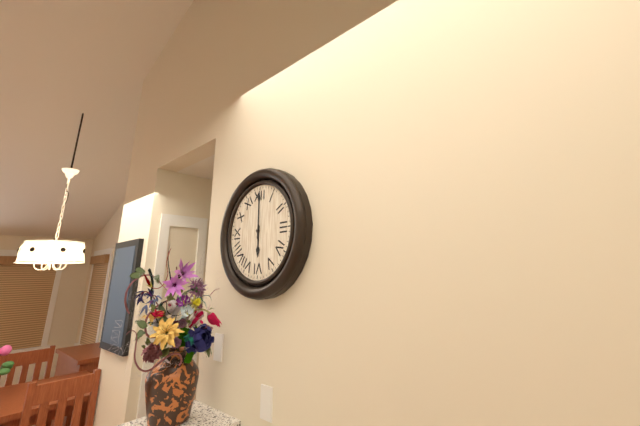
6:00
